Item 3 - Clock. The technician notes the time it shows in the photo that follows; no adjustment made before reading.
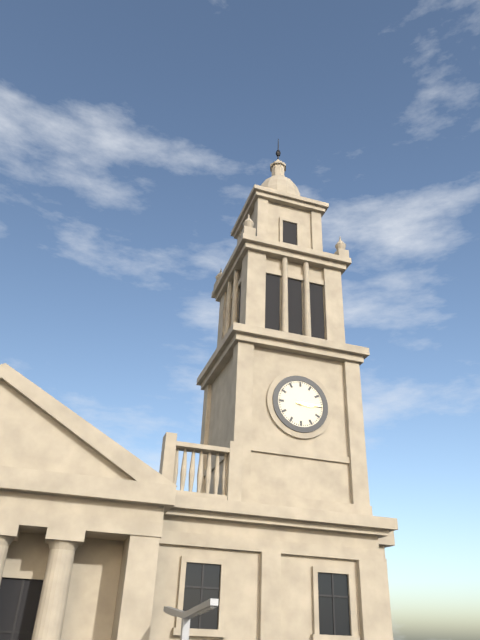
3:15
